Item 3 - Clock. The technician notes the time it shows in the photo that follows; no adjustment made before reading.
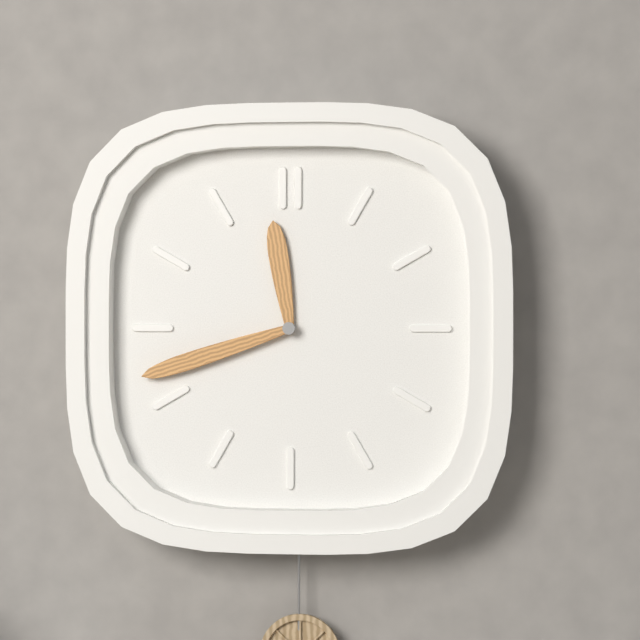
11:42
